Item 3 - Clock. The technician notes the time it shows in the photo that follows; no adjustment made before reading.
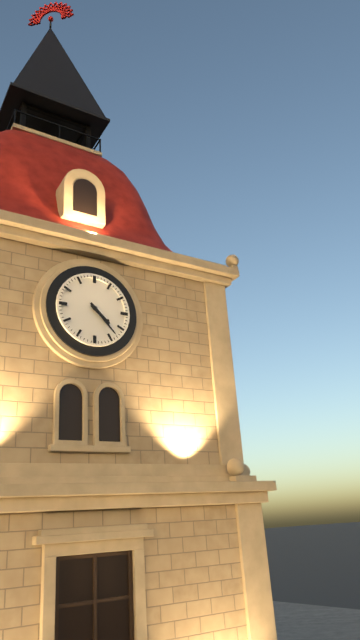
4:23
